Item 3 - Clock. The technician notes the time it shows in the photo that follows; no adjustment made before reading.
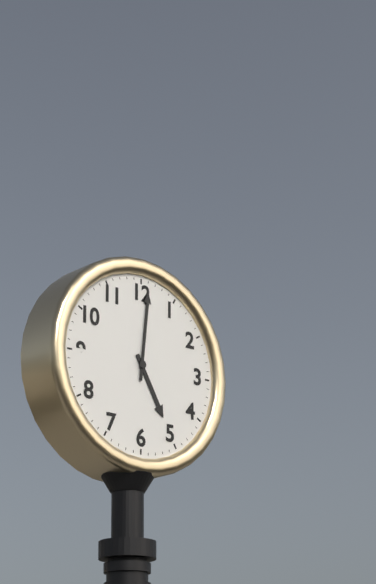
5:01
